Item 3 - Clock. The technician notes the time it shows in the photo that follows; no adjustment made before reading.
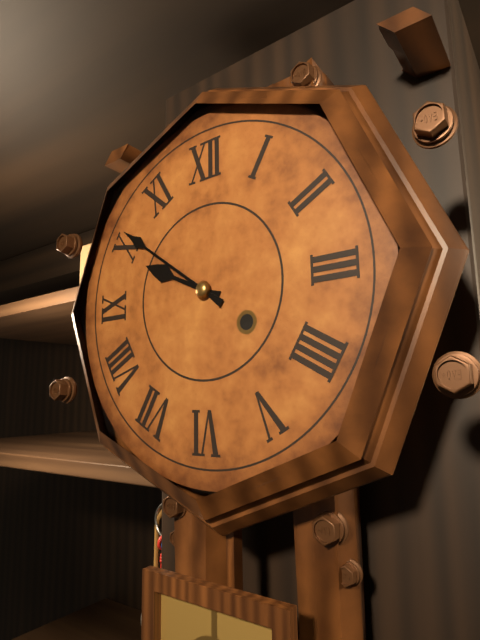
9:51
